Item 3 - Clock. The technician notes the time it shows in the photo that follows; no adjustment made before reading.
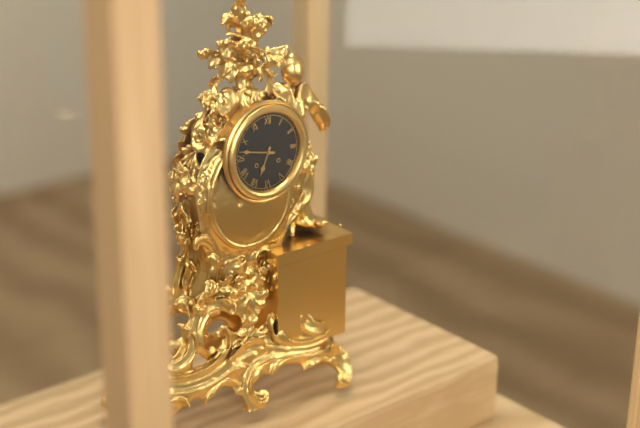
6:47
